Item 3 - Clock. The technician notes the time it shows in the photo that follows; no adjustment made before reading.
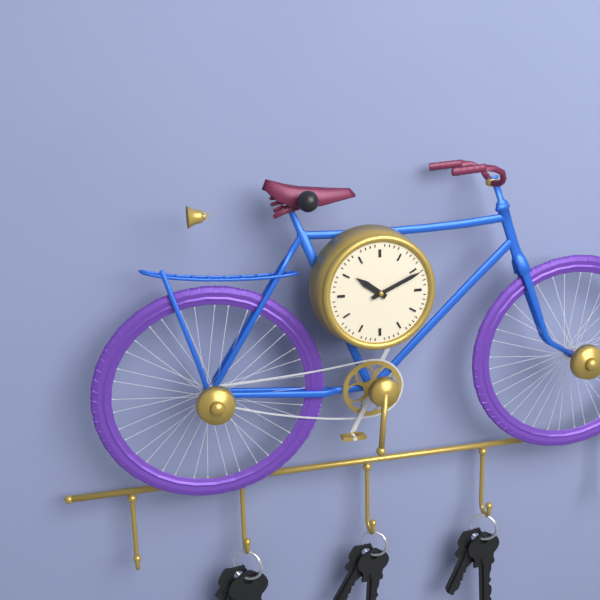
10:11
